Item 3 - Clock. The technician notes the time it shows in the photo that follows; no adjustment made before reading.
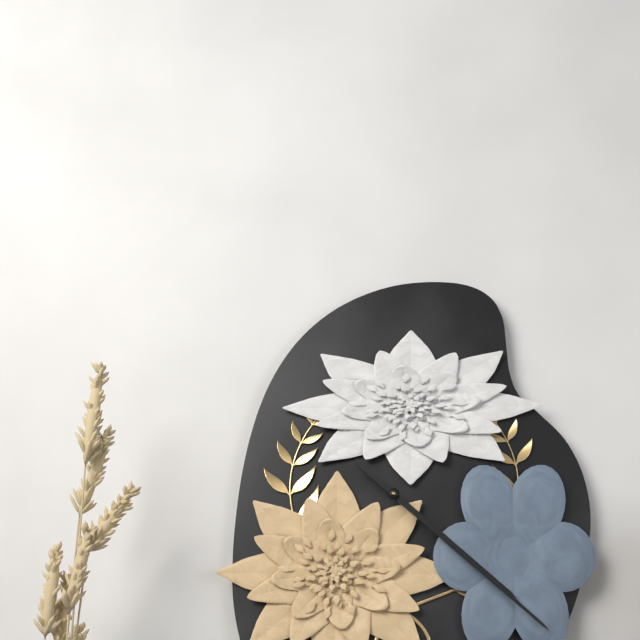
4:22
